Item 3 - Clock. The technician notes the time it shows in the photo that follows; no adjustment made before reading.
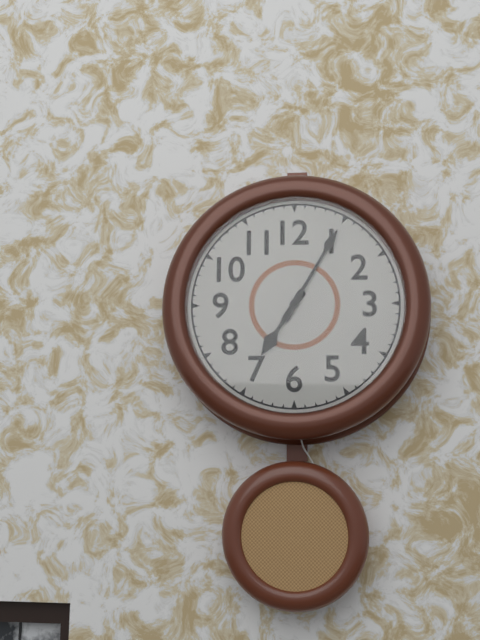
7:05
